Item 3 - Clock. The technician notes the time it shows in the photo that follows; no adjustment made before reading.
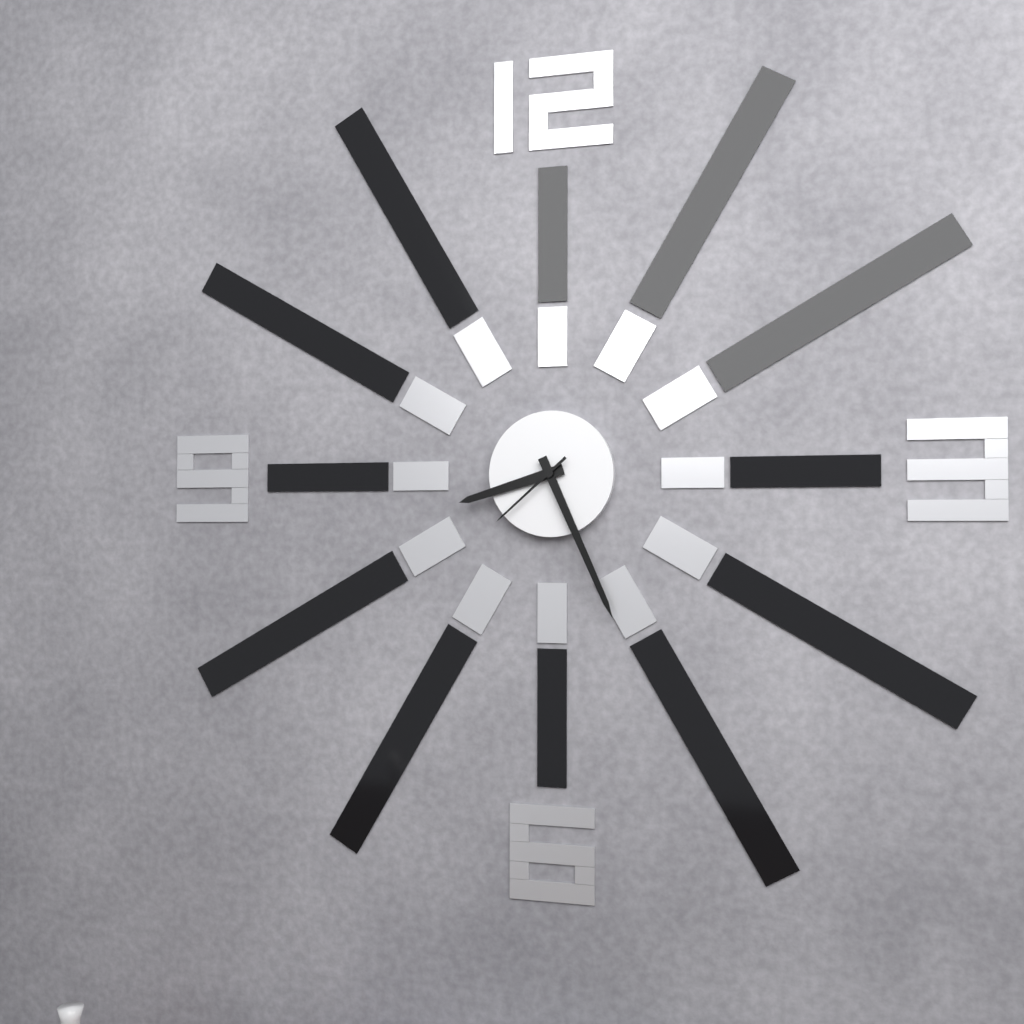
8:26:38
